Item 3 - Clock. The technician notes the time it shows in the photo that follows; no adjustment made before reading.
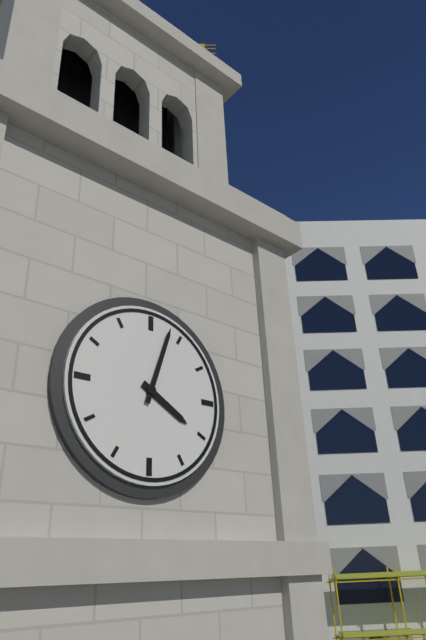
4:03
